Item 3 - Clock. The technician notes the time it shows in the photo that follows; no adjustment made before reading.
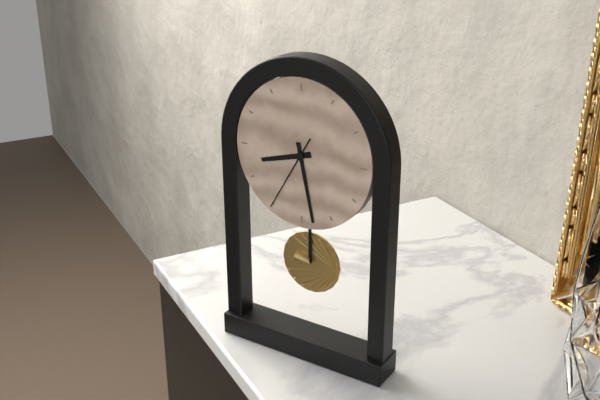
8:28:35
